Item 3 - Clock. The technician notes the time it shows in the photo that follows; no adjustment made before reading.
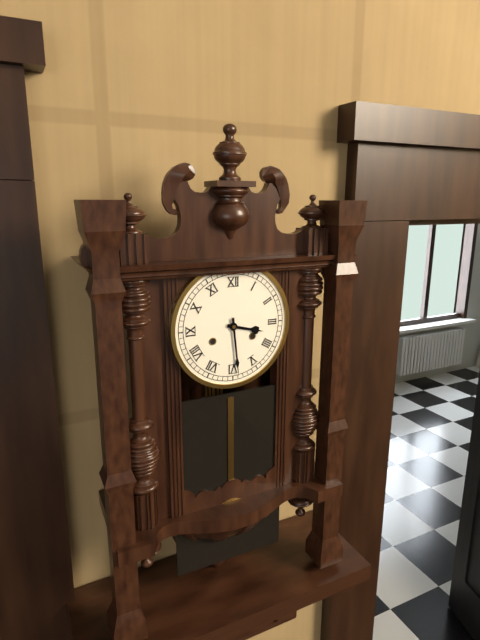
3:29
